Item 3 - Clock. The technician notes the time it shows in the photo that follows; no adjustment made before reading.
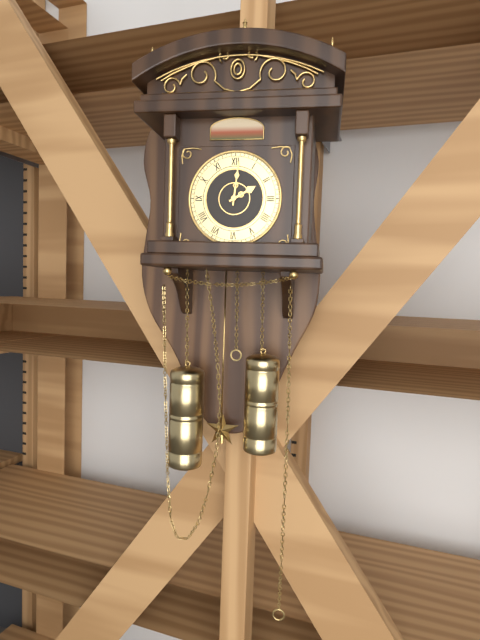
2:01
